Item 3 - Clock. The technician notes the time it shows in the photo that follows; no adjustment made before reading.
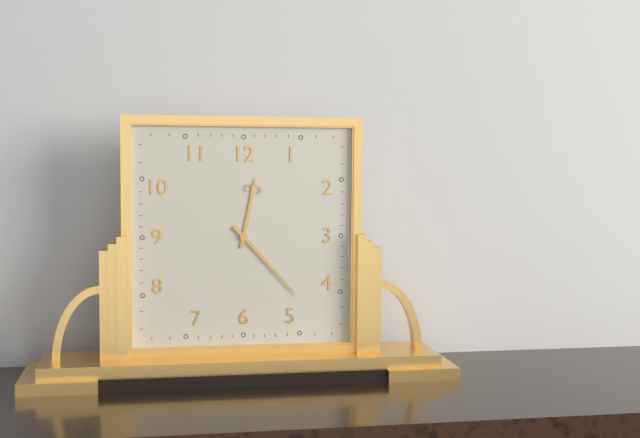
12:23
